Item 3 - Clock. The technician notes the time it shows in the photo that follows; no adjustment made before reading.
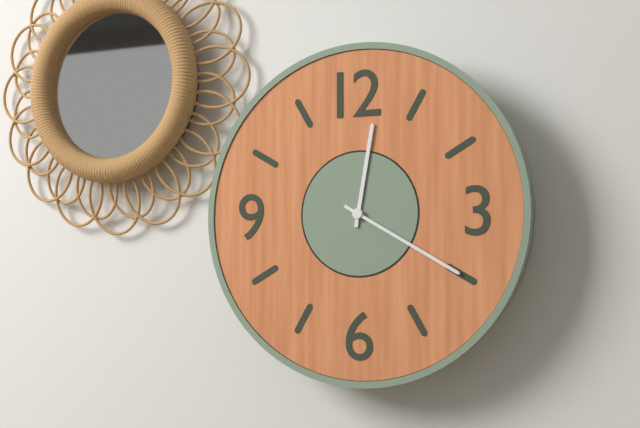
12:20
